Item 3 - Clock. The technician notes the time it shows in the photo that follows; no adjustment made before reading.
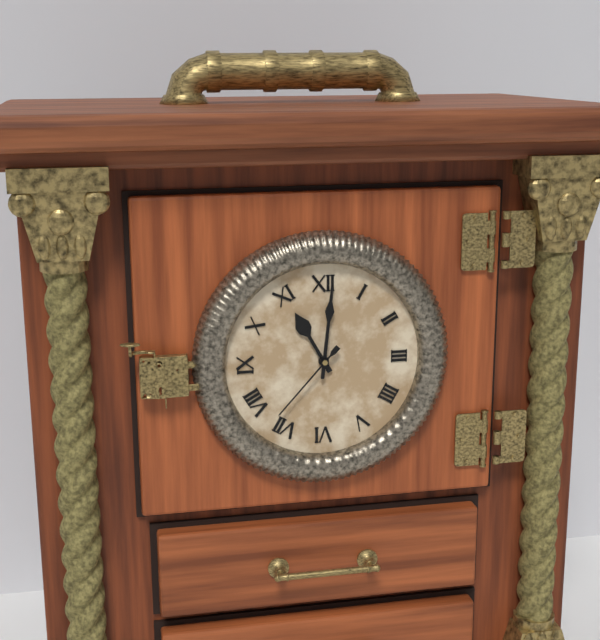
11:01:37
